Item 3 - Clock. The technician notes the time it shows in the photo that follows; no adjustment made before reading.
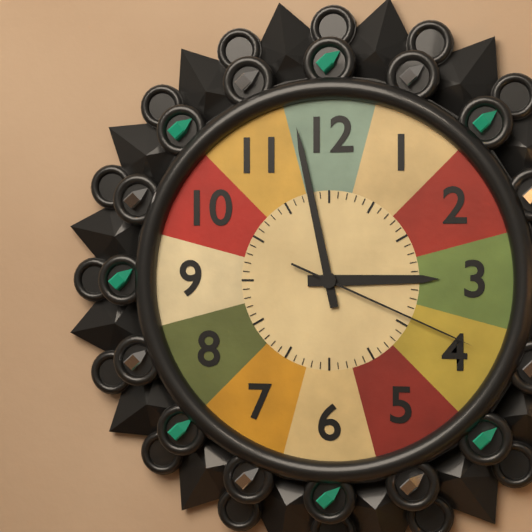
2:58:19
